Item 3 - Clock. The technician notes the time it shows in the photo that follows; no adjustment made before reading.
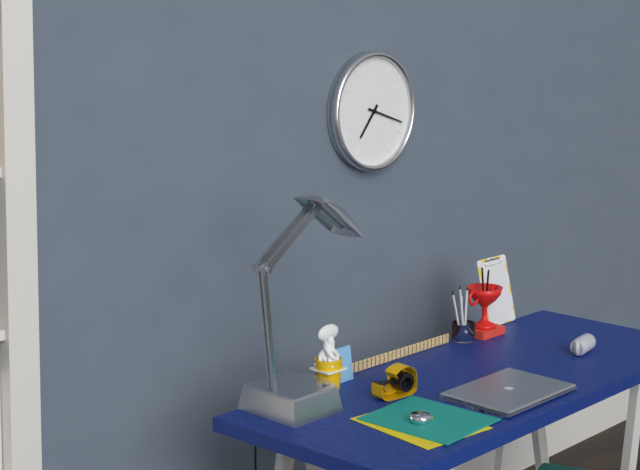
7:18
